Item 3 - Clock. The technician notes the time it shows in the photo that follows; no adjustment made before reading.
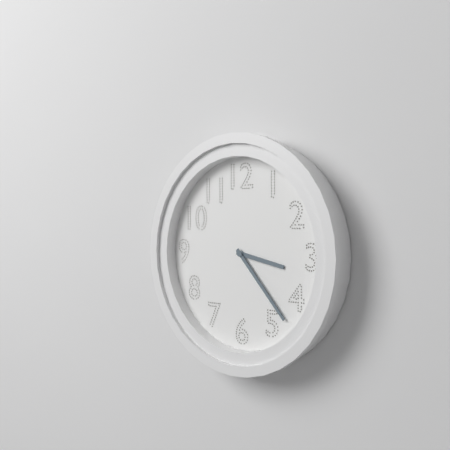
3:23
